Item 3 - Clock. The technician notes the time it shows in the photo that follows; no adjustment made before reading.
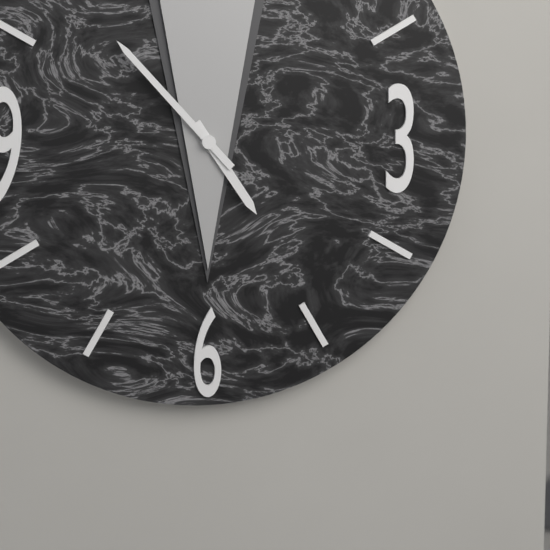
4:53
